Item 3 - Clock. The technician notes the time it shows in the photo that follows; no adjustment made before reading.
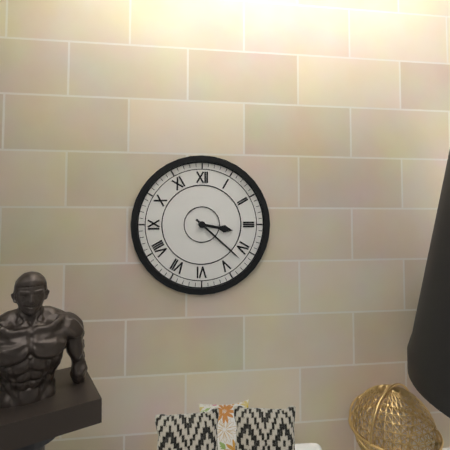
3:22
